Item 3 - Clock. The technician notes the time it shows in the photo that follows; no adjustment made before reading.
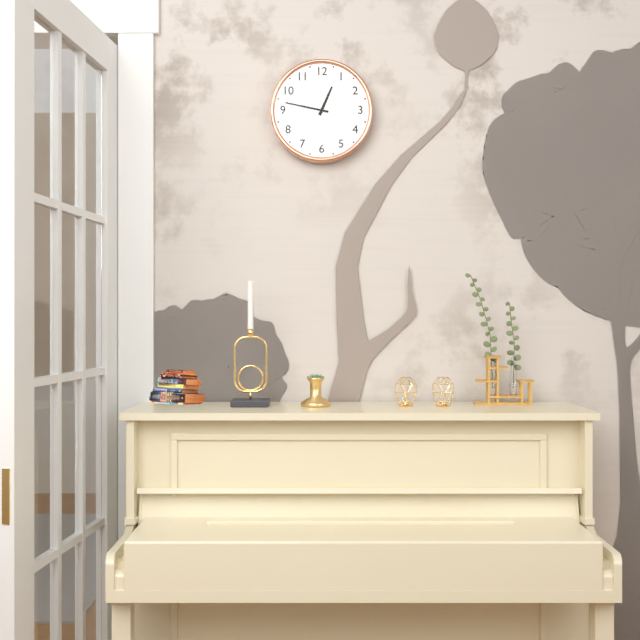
12:47
